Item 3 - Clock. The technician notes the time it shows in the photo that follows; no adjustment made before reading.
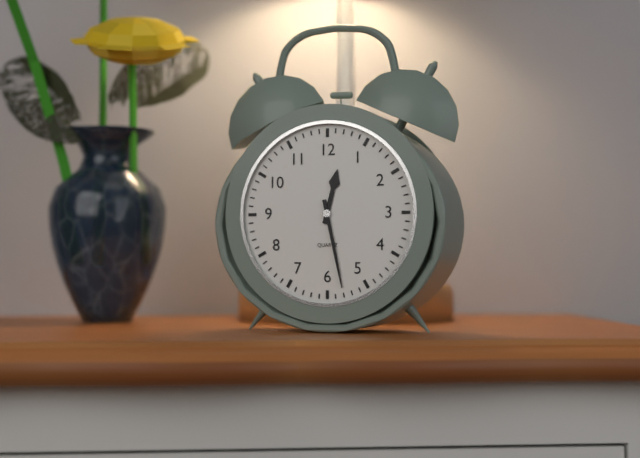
12:28
